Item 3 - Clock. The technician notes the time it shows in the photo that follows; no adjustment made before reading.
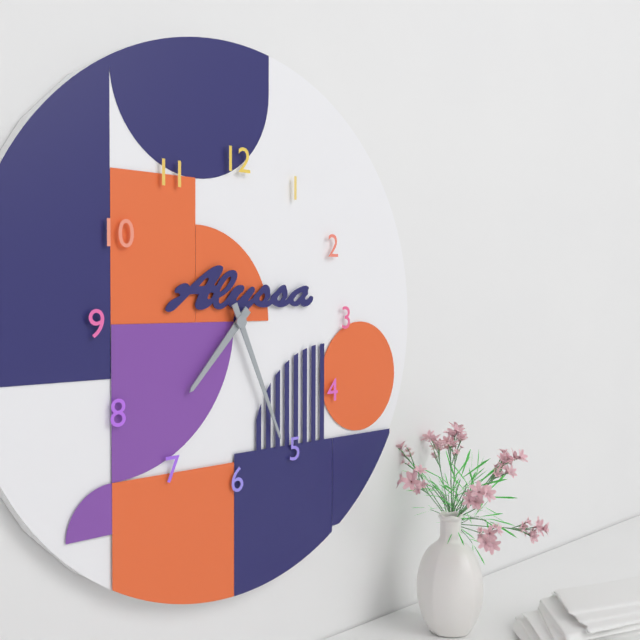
7:26
